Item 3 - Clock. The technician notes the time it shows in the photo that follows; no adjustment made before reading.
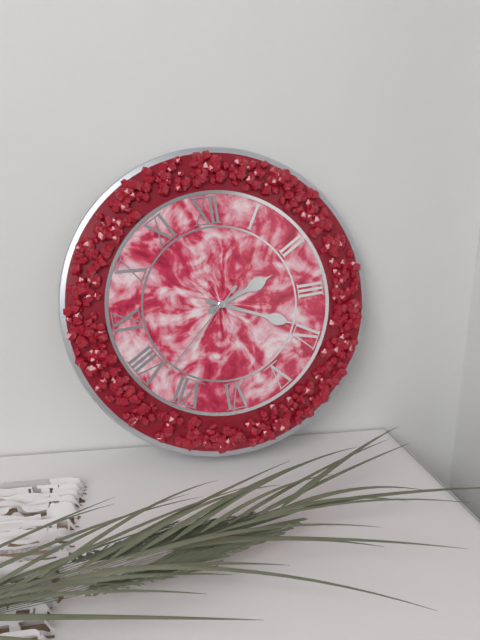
2:19:38
